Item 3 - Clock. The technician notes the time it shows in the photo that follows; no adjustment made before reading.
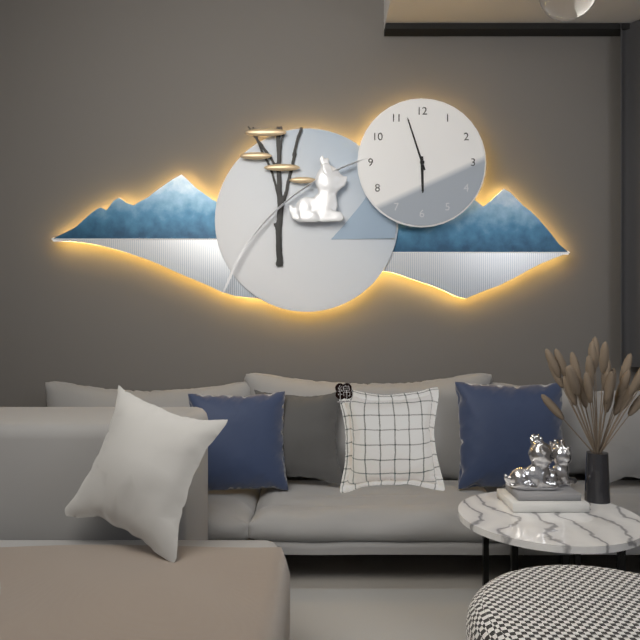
5:57
